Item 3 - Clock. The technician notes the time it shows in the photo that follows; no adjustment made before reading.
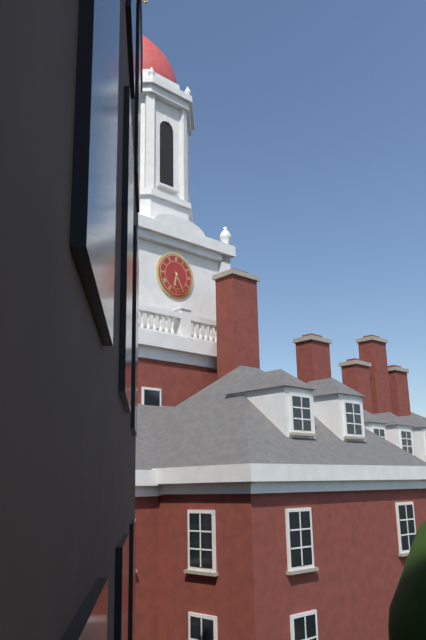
6:25
